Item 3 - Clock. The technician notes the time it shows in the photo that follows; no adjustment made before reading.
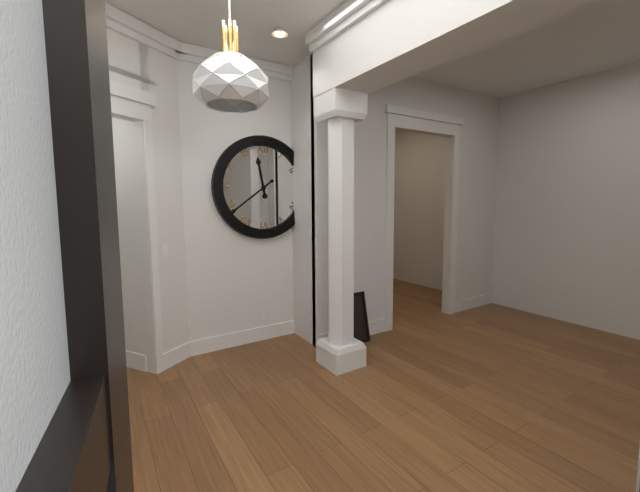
11:39
